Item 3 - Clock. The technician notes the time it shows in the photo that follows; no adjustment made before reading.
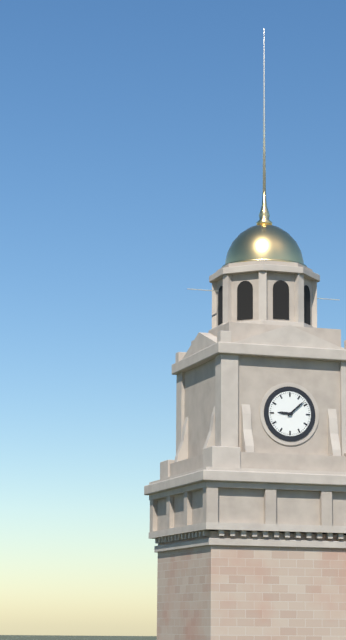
9:08
